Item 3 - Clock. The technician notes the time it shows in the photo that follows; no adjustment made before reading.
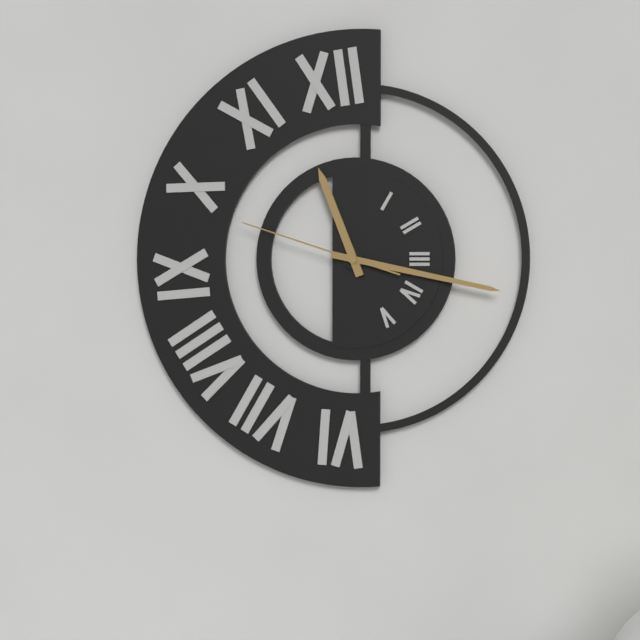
11:17:48
